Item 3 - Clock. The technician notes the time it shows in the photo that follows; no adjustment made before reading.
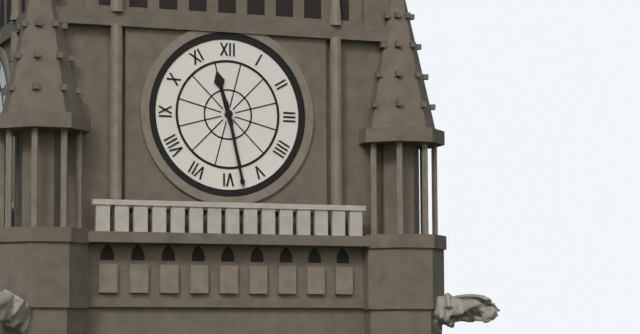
11:28
